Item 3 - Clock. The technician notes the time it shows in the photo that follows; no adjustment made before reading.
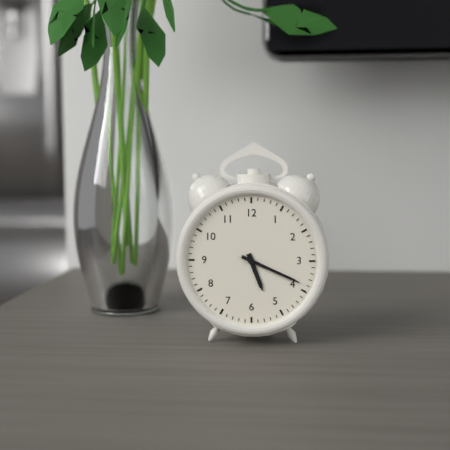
5:19
